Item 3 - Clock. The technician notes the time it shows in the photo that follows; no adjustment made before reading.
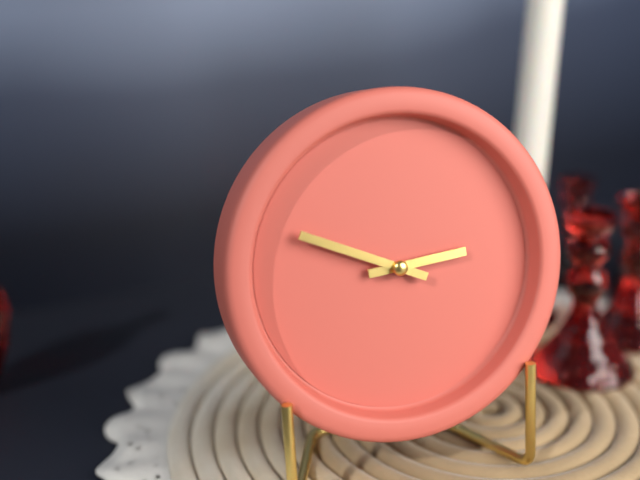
2:49
